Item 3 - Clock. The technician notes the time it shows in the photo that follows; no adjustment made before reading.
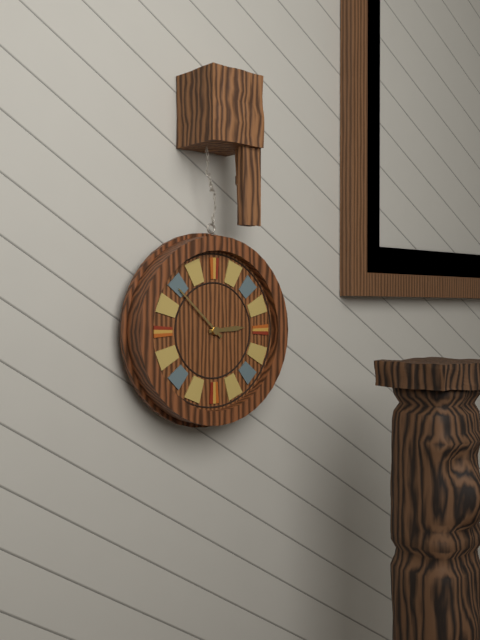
2:52
